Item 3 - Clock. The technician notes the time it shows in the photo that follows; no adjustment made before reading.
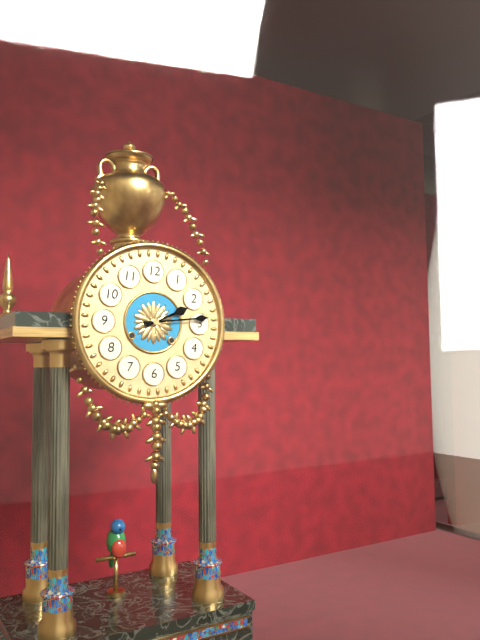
2:14
